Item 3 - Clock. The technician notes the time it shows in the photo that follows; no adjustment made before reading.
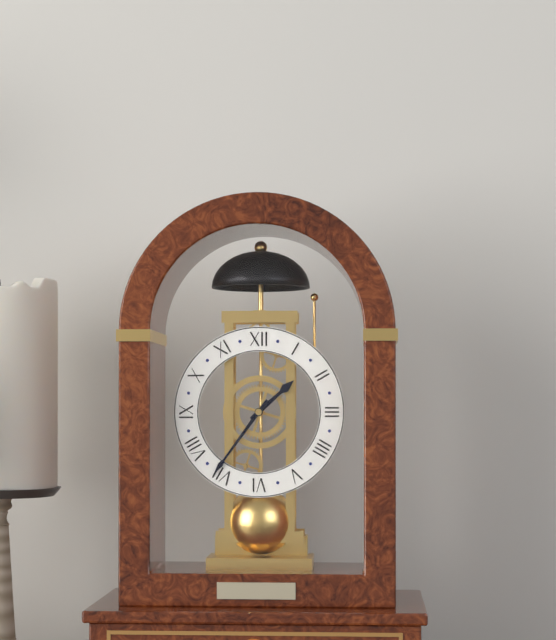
1:36
